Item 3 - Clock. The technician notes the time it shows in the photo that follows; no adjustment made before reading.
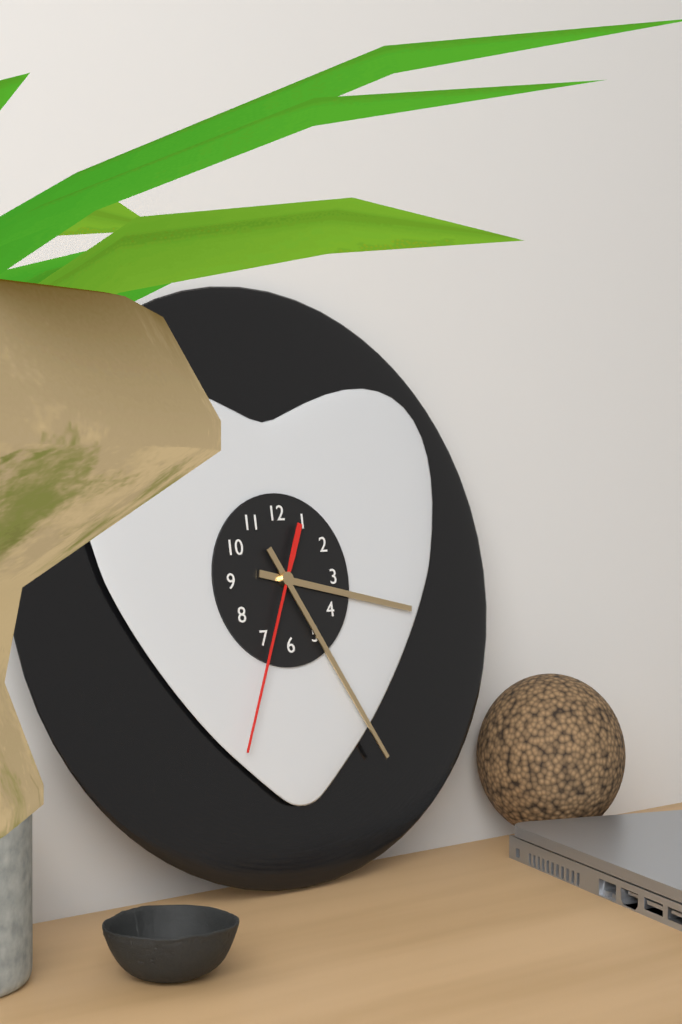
3:25:34
